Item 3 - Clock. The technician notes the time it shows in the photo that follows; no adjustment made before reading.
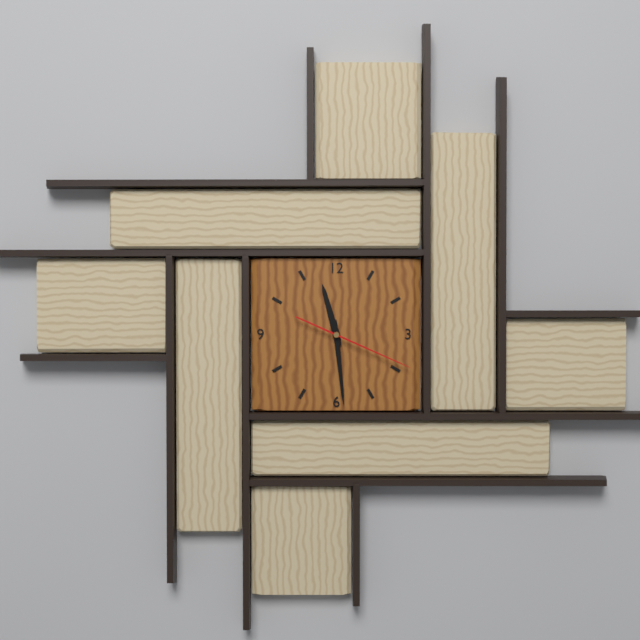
11:29:19
